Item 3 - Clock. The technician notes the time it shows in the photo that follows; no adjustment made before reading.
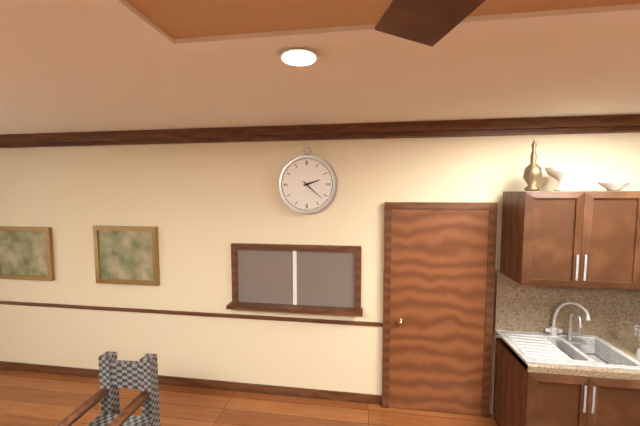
2:22
